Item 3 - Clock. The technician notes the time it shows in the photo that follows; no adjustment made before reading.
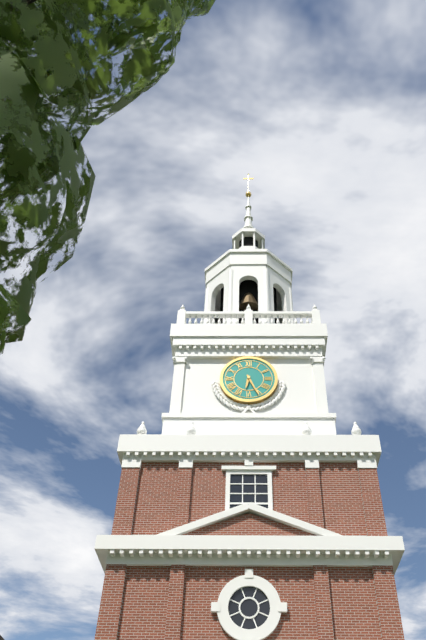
6:26
